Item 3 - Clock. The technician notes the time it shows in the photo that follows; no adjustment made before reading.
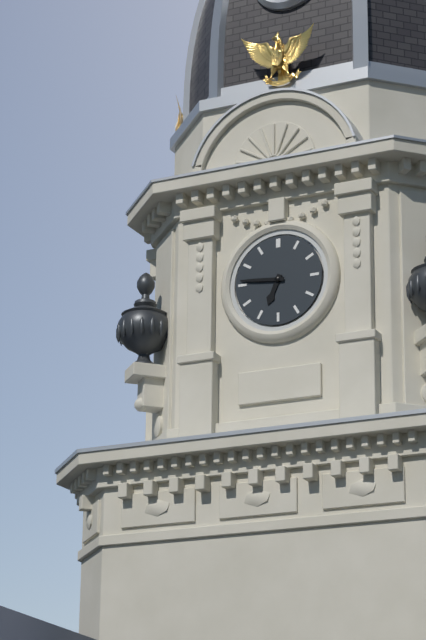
6:46
